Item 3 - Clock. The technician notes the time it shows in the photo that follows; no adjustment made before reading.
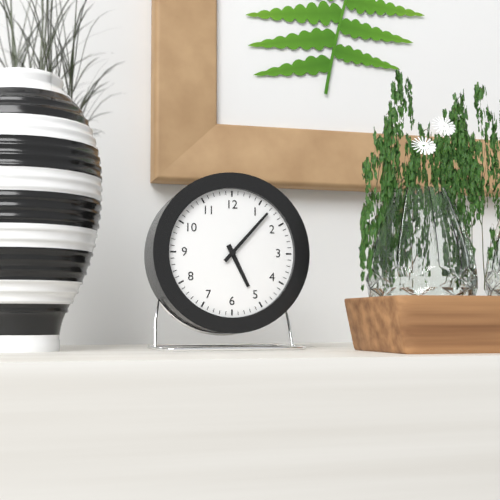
5:07
